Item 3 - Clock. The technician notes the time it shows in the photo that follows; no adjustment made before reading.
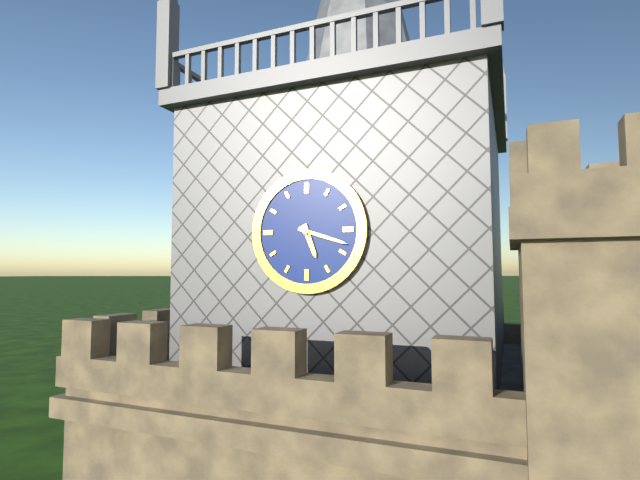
5:18
